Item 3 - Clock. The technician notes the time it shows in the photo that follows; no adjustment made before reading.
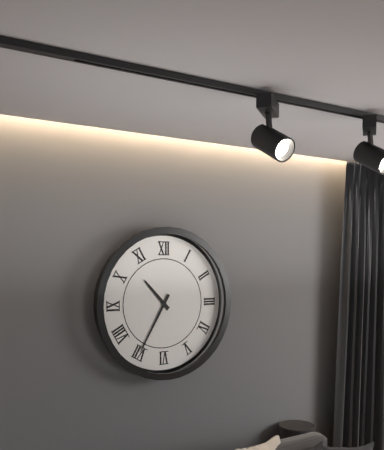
10:35
